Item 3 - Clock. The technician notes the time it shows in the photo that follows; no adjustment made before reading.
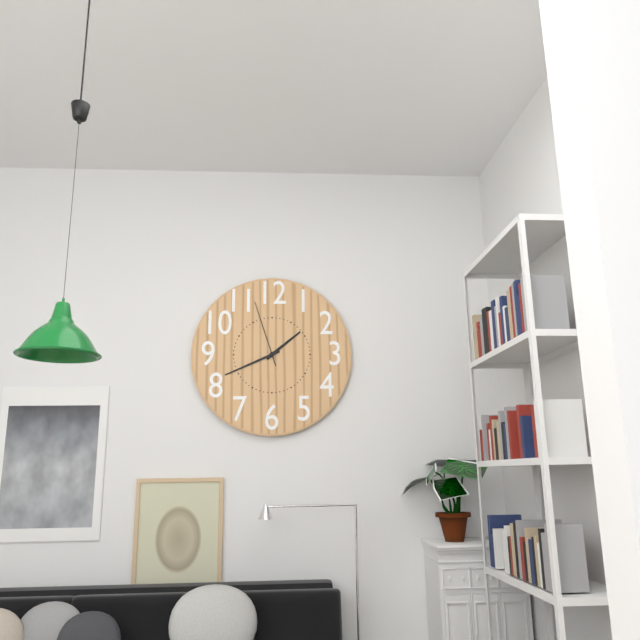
1:41:57
